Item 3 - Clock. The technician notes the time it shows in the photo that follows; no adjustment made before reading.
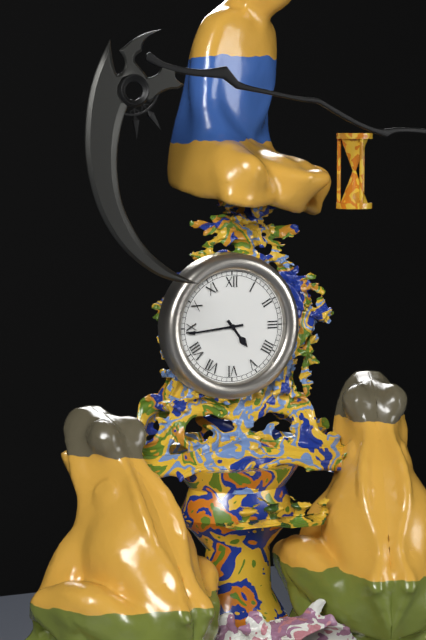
4:44
